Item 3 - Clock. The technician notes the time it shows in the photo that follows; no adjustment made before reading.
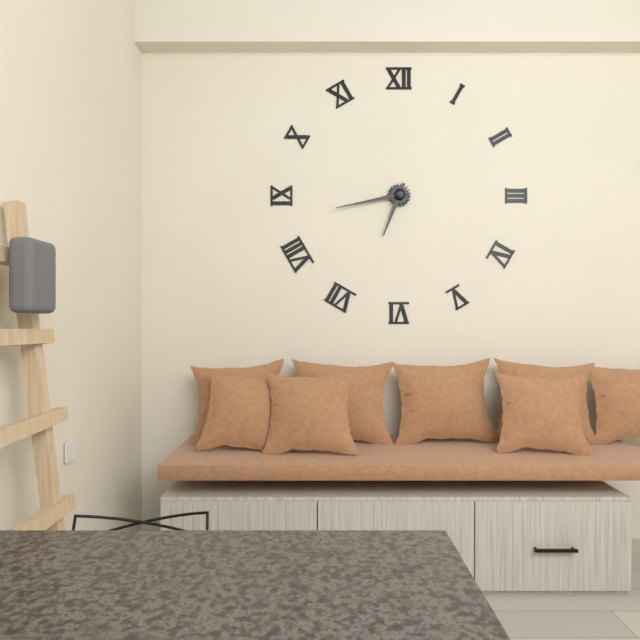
6:43
